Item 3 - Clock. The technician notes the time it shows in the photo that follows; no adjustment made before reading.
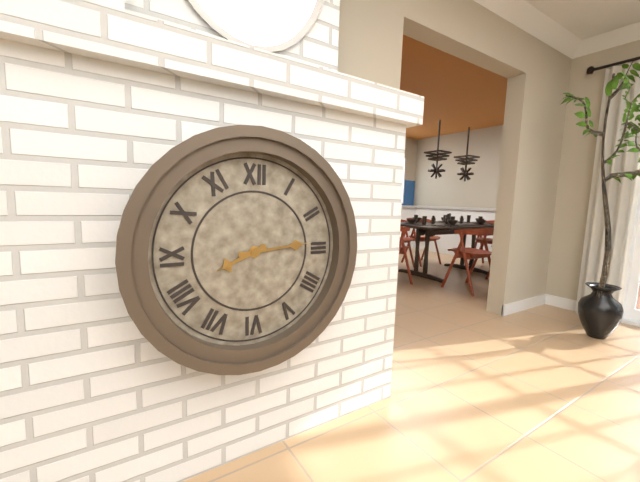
8:14
